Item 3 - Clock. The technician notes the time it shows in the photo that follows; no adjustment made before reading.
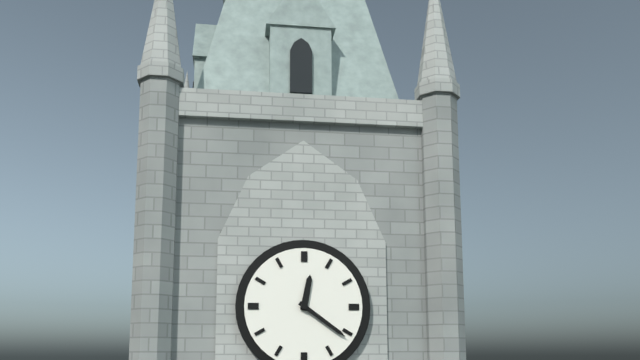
12:21
